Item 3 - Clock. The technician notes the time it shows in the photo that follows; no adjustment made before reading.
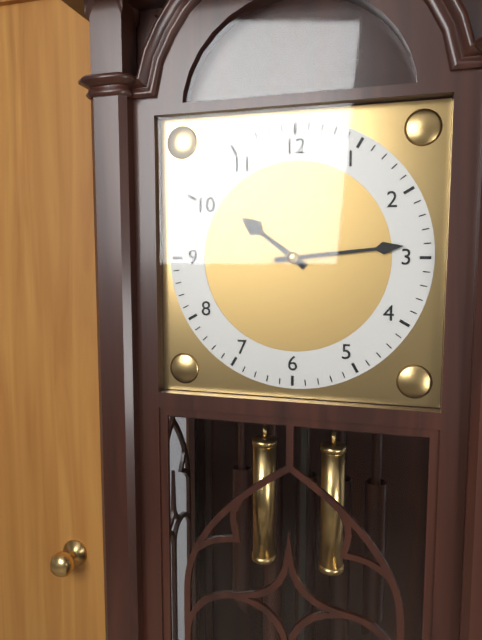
10:14
